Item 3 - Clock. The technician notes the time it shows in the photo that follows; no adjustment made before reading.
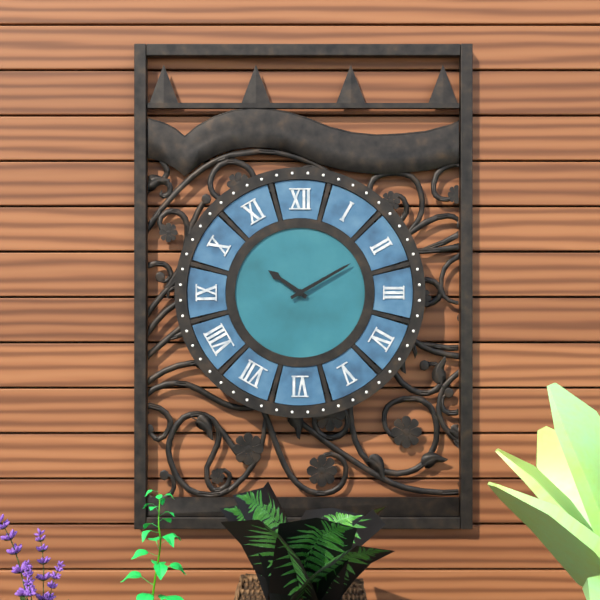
10:10
